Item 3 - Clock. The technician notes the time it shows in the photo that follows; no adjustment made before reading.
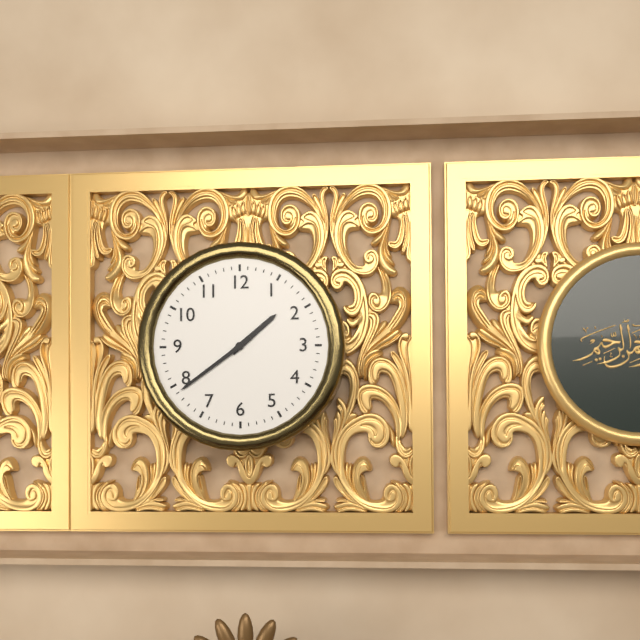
1:39
